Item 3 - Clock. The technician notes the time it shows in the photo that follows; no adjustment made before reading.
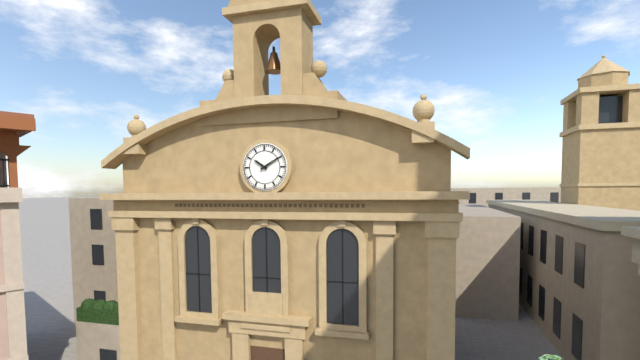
10:10
